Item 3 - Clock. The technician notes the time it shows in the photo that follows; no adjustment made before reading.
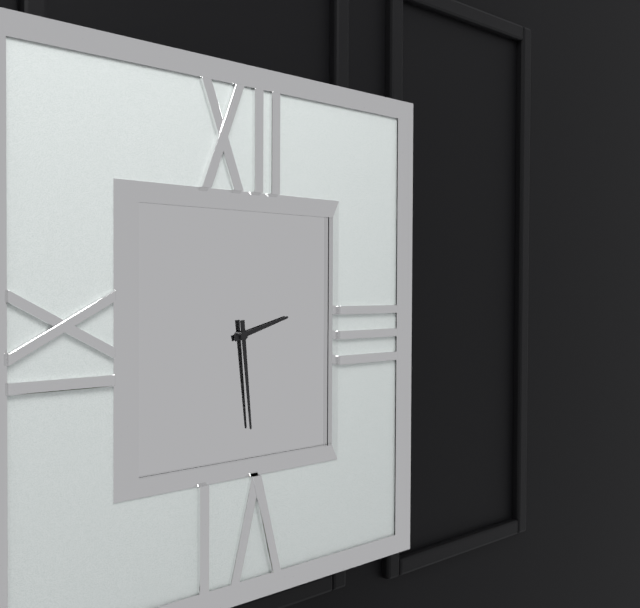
2:29
